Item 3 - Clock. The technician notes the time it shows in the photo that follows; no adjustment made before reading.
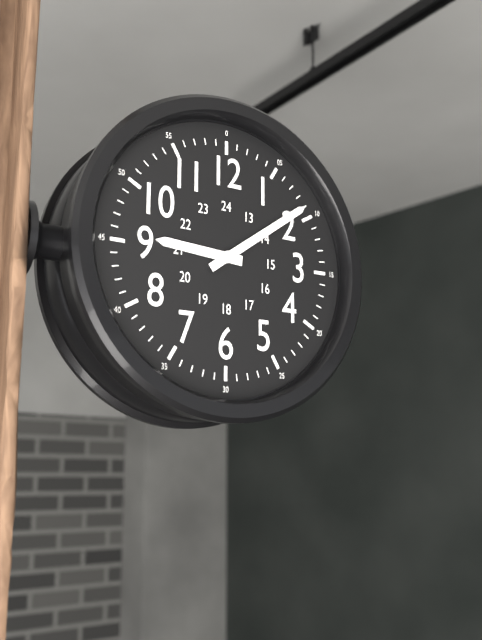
9:09
